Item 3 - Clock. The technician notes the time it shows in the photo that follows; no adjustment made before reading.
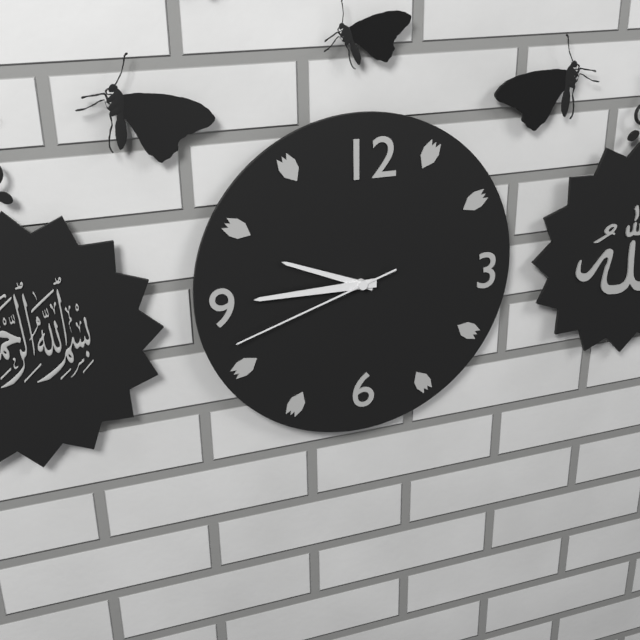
9:45:42
